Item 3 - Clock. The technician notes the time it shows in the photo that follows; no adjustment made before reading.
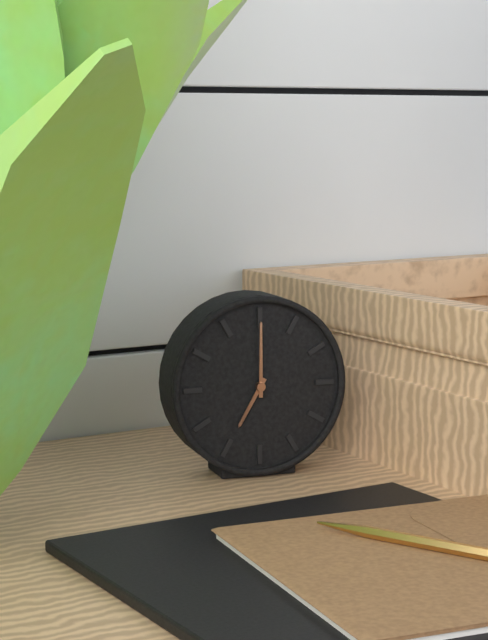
7:00
